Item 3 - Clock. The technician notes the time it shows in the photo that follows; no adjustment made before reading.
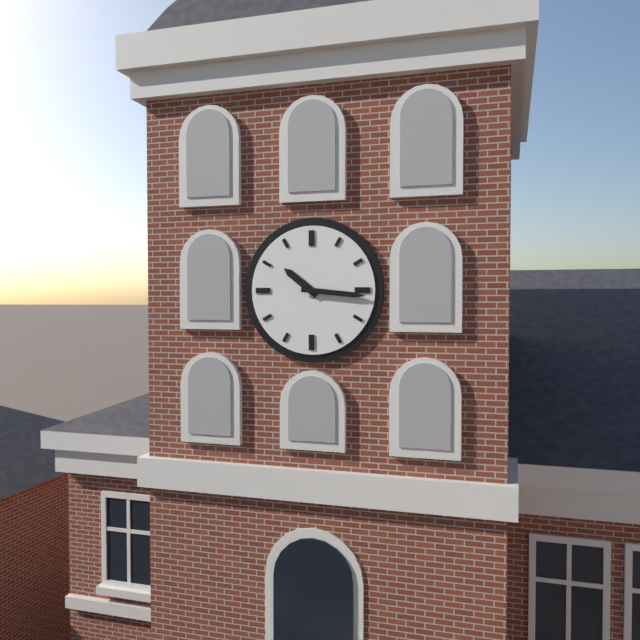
10:16
